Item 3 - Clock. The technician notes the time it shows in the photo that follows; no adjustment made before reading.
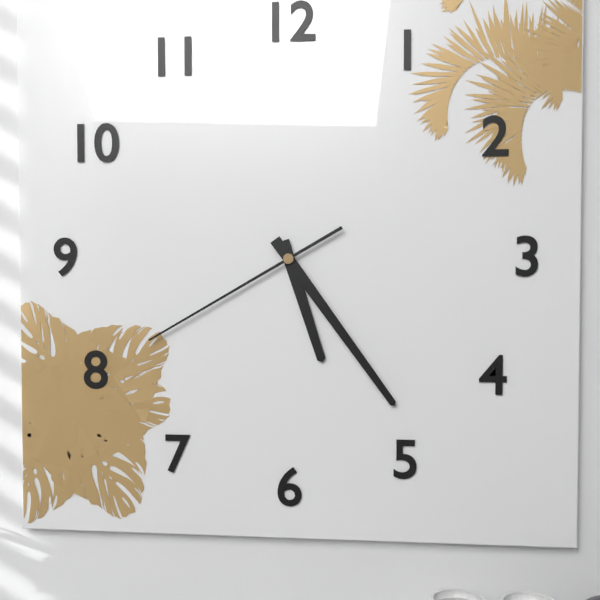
5:24:40
